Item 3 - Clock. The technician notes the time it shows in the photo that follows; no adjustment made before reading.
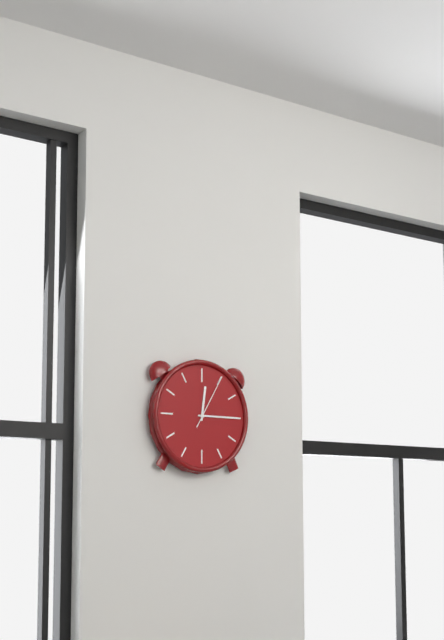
12:15:05
